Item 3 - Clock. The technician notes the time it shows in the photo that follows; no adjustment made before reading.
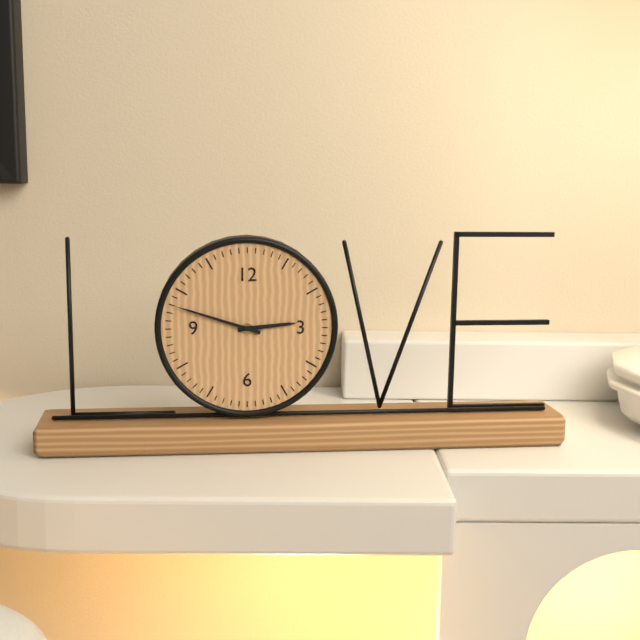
2:48
